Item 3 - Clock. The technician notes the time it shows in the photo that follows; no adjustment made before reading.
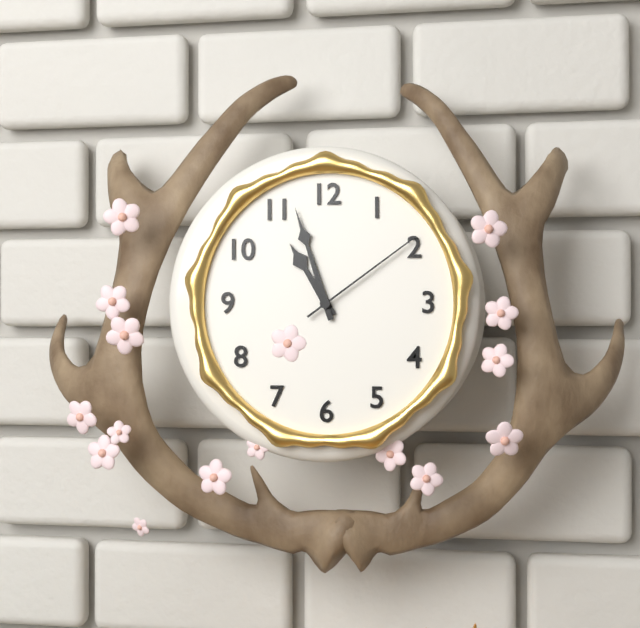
10:57:09
